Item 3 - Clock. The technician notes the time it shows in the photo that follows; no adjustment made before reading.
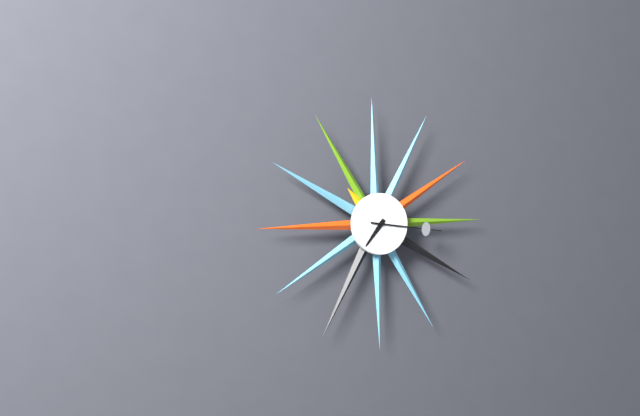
7:16
